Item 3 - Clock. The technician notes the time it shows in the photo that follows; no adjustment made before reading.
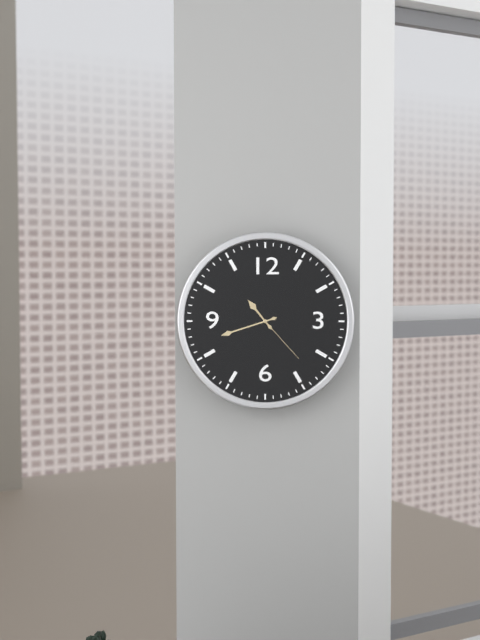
10:42:23
